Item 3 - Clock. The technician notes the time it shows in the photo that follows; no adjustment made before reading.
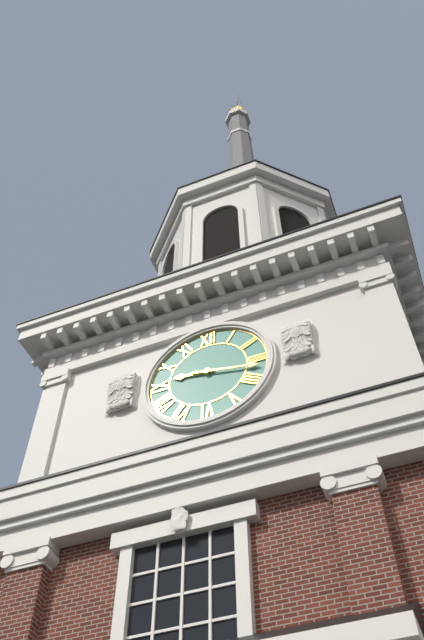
9:17
